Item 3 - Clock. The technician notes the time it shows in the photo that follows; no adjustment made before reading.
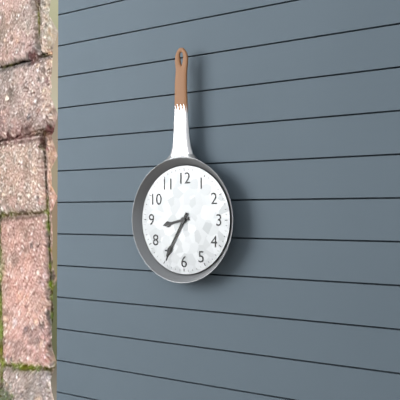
8:35
